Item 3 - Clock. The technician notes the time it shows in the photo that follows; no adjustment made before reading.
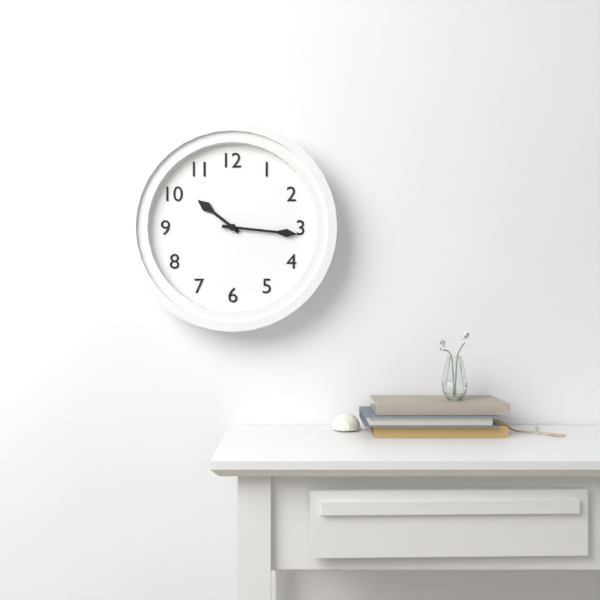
10:16
